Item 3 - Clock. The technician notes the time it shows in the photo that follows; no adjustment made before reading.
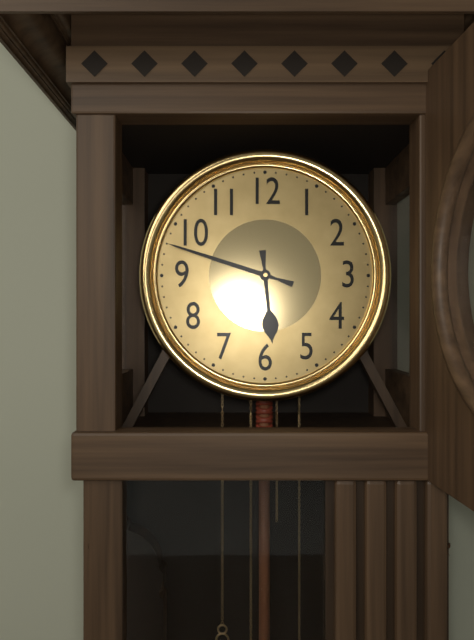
5:48
